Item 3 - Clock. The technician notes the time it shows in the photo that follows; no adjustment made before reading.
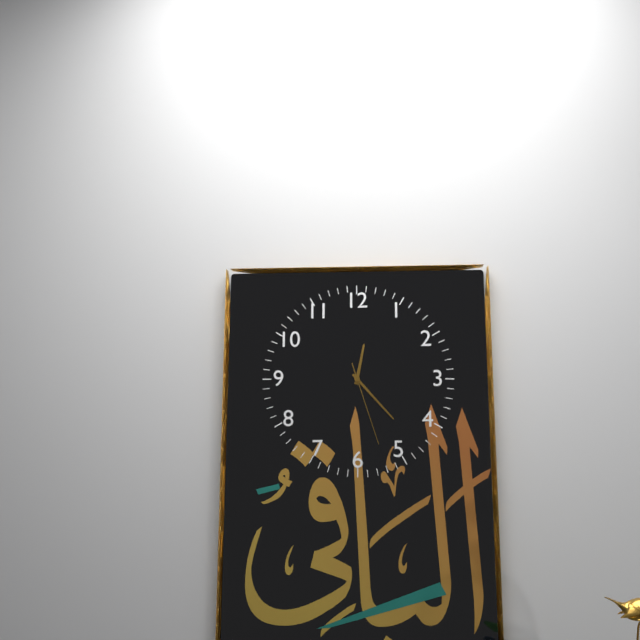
12:23:27
